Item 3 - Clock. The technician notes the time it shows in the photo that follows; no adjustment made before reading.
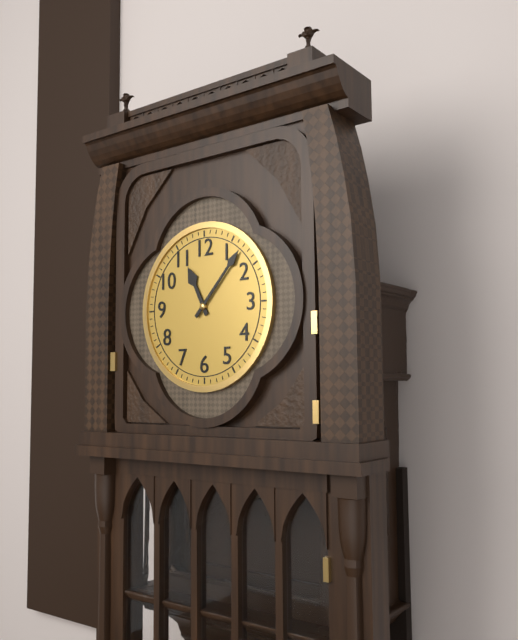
11:07
